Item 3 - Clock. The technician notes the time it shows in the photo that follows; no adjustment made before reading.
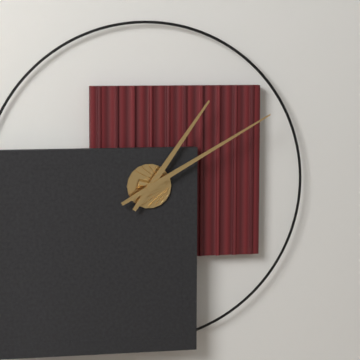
1:10
